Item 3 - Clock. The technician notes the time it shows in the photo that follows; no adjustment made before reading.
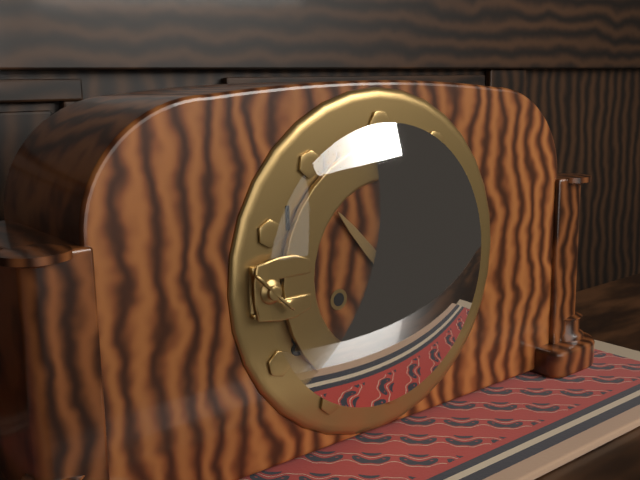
10:35
